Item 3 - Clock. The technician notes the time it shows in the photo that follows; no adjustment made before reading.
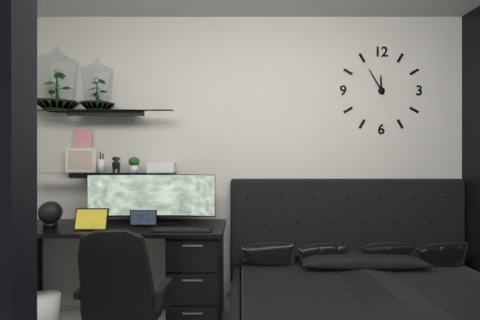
11:55
